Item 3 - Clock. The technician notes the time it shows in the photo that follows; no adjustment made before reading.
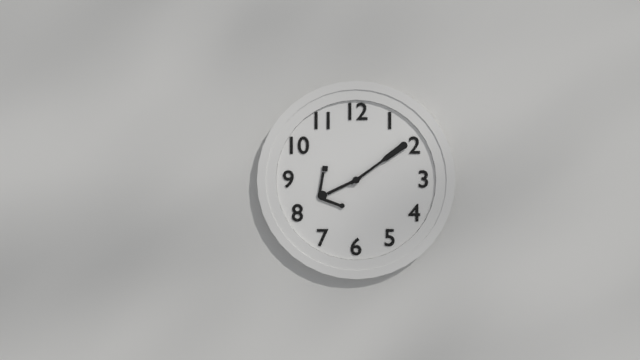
8:09
